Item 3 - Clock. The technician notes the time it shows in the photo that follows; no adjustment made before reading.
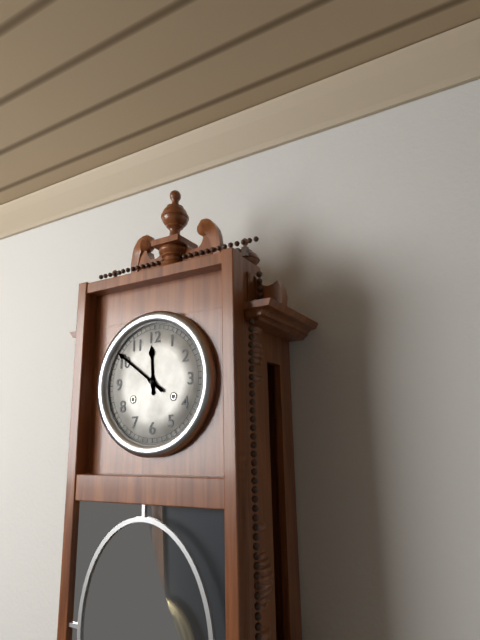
11:51
